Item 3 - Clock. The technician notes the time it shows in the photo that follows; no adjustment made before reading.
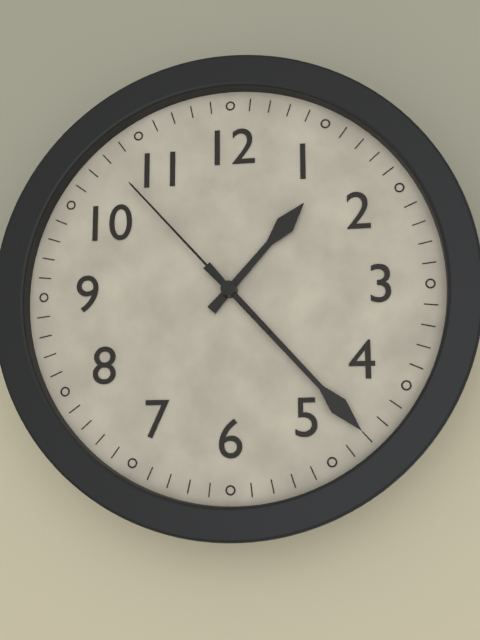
1:23:53
